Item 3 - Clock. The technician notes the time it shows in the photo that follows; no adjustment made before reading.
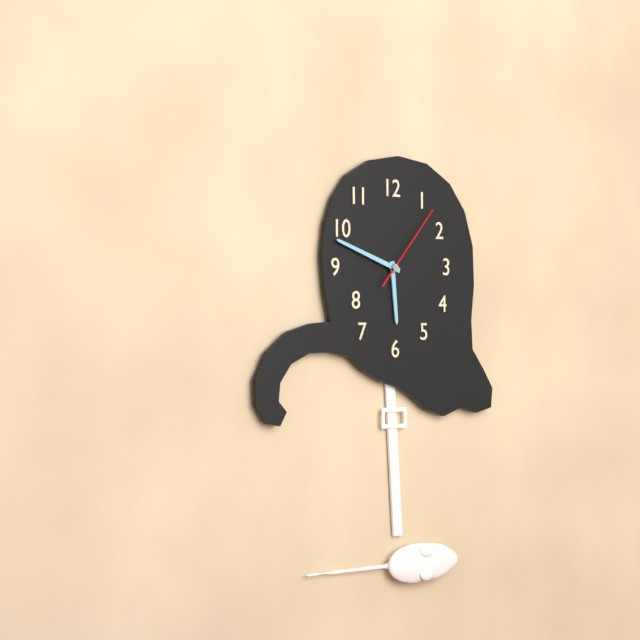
5:48:07
